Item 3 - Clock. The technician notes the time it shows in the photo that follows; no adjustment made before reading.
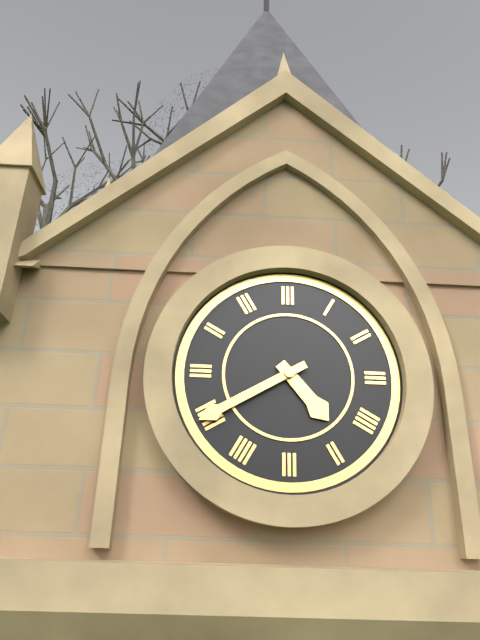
4:40
